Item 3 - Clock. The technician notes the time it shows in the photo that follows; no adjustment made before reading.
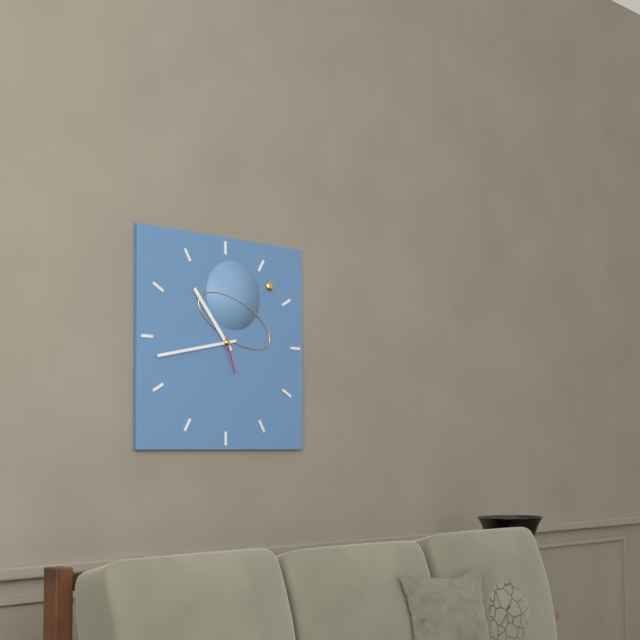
10:43
